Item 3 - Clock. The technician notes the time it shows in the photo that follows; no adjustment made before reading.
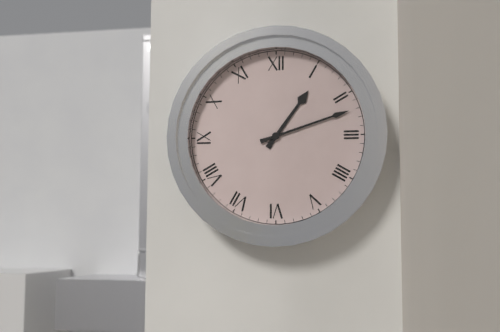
1:12
